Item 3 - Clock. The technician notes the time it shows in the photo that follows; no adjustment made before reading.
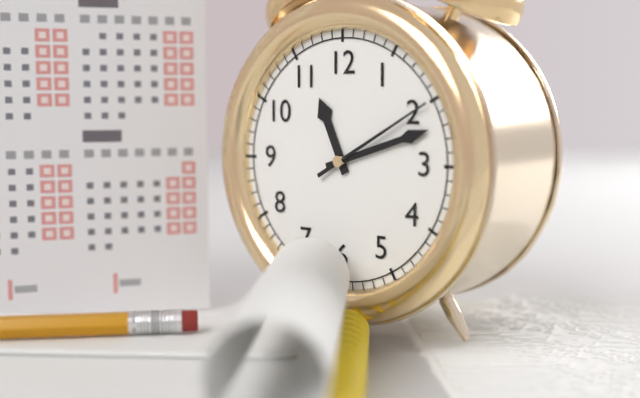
11:12:10
